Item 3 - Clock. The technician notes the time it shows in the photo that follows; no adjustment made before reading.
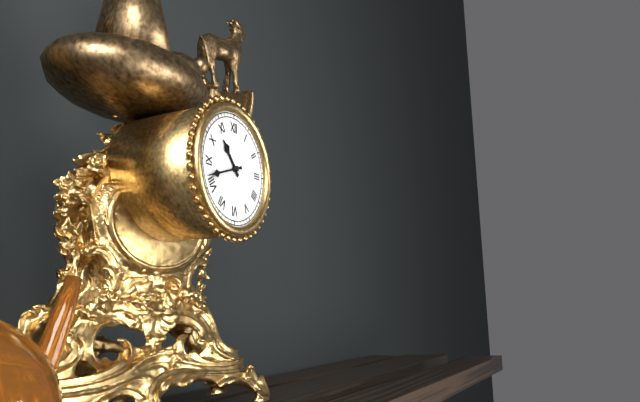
10:42
